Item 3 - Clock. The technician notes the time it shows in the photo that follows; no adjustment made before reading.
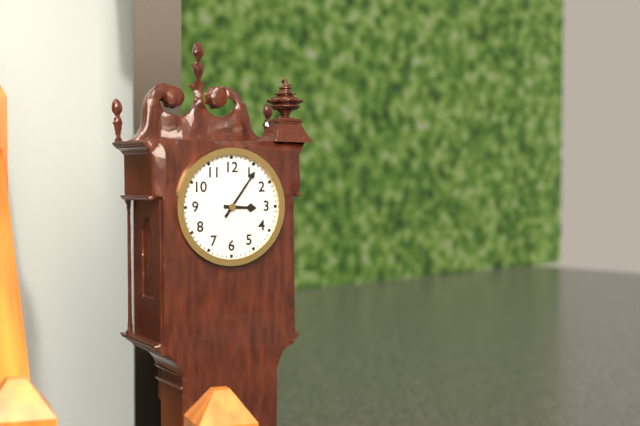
3:06
